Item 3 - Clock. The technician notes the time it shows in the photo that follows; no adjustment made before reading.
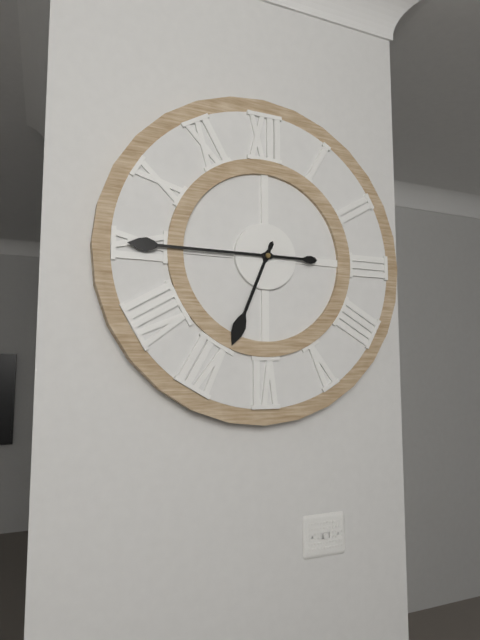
6:45
